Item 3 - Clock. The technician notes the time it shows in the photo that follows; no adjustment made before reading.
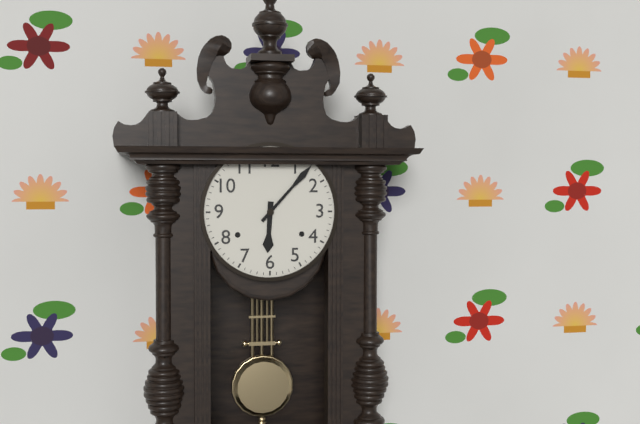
6:07
